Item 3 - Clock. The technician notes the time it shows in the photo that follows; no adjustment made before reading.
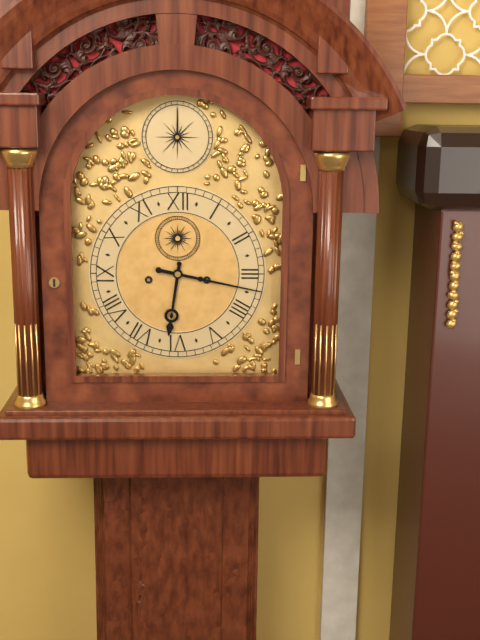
6:17
